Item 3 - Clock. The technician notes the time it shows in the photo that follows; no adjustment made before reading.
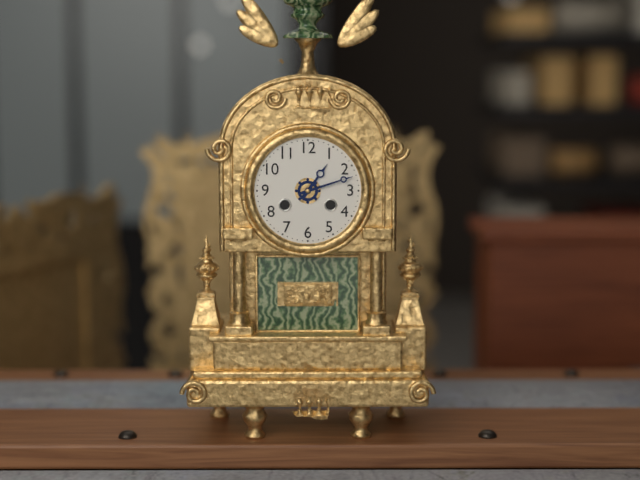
1:12
